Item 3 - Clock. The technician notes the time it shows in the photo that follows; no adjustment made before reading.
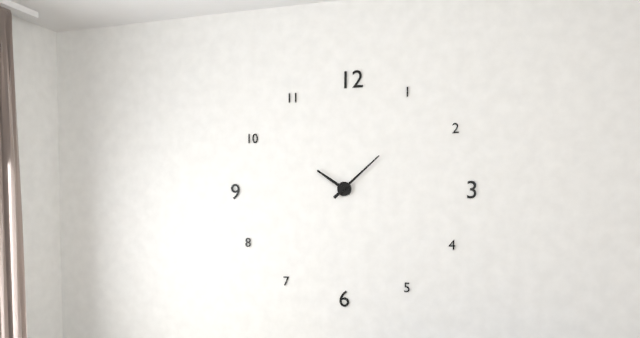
10:08
